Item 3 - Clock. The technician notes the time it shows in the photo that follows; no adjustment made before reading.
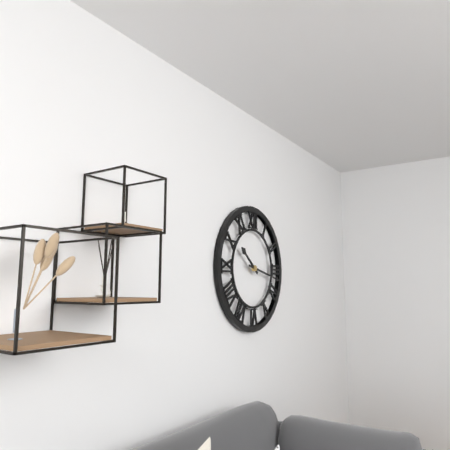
10:17
